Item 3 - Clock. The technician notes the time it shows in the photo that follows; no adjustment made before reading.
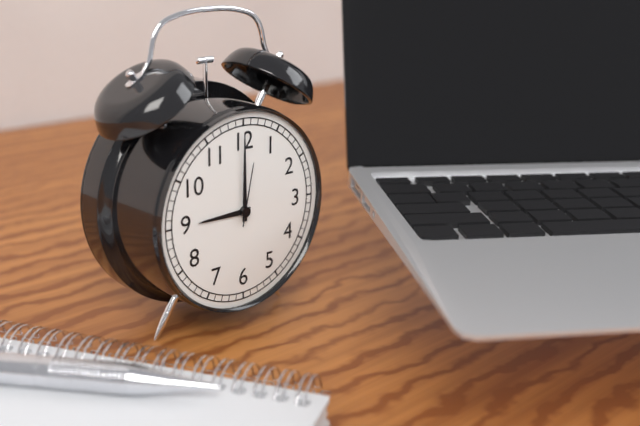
9:00:02
